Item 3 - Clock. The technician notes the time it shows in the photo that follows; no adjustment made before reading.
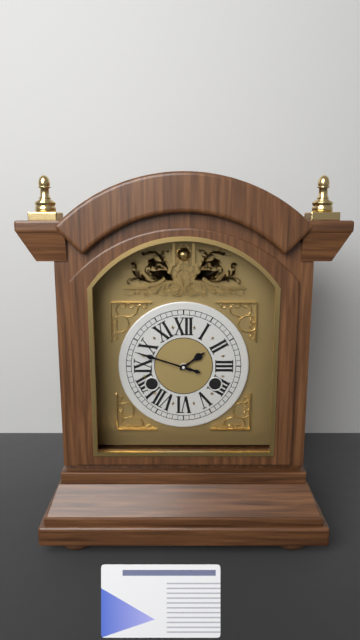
1:48
